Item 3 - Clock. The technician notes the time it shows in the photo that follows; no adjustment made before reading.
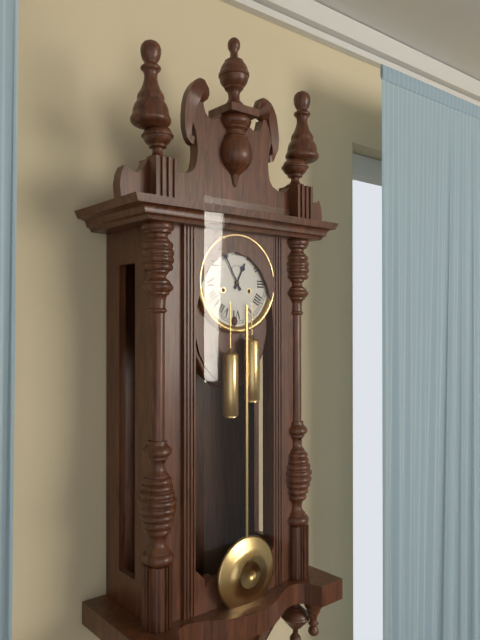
12:55
